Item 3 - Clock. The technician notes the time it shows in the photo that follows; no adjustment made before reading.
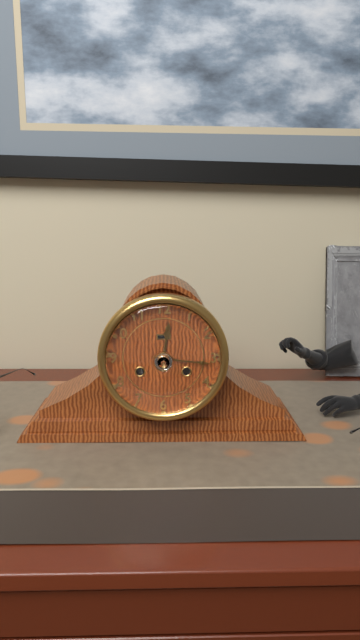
12:16
